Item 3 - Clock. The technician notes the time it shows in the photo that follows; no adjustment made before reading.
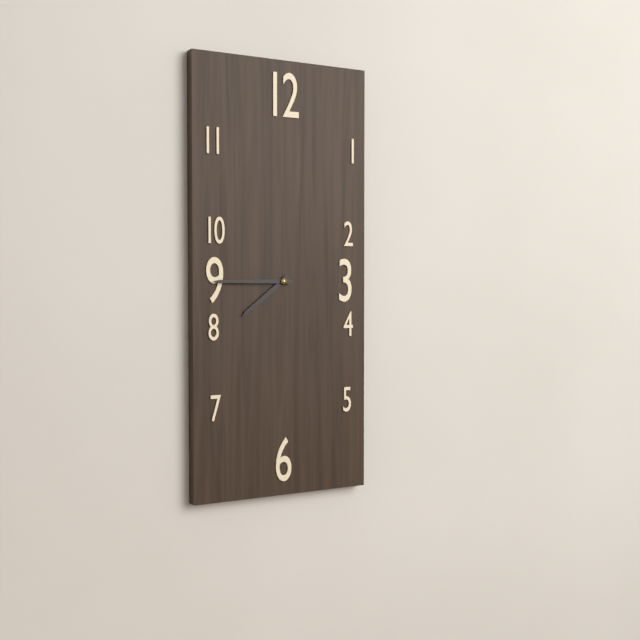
7:45
